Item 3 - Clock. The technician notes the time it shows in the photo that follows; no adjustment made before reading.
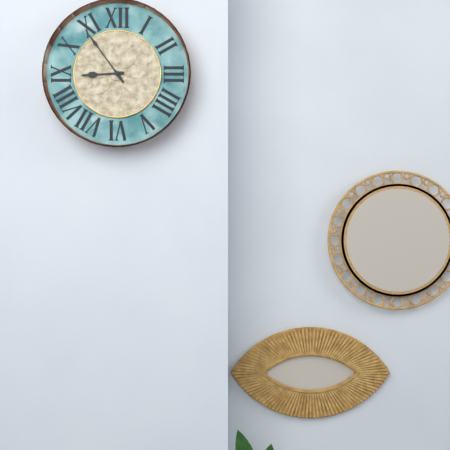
8:54
